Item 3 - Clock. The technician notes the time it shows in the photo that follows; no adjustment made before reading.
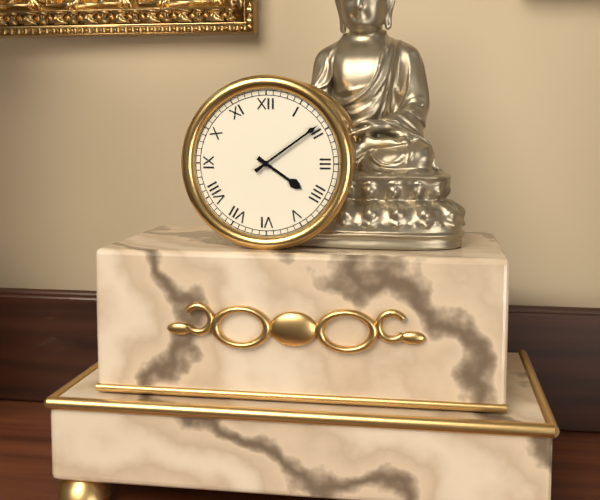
4:09
